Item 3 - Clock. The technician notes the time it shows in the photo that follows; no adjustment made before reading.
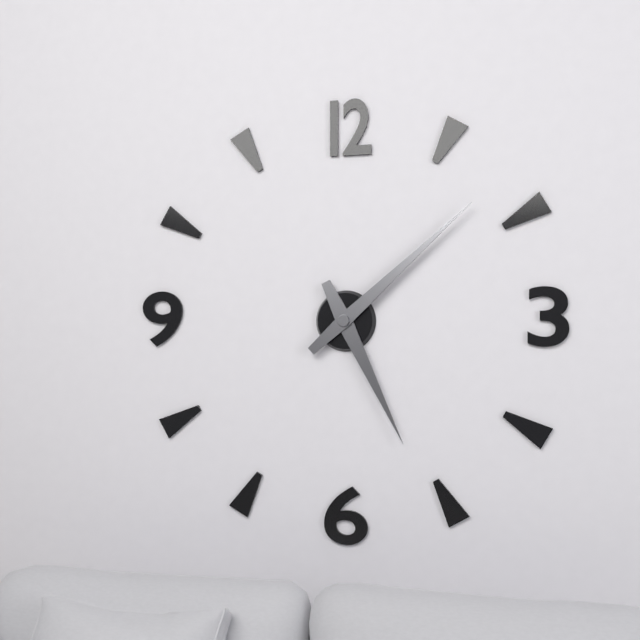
5:08
